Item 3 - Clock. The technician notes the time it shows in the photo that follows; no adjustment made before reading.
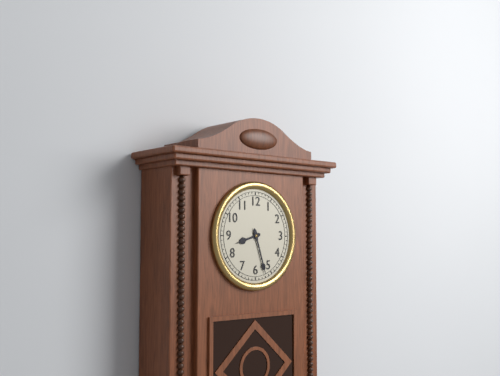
8:27
